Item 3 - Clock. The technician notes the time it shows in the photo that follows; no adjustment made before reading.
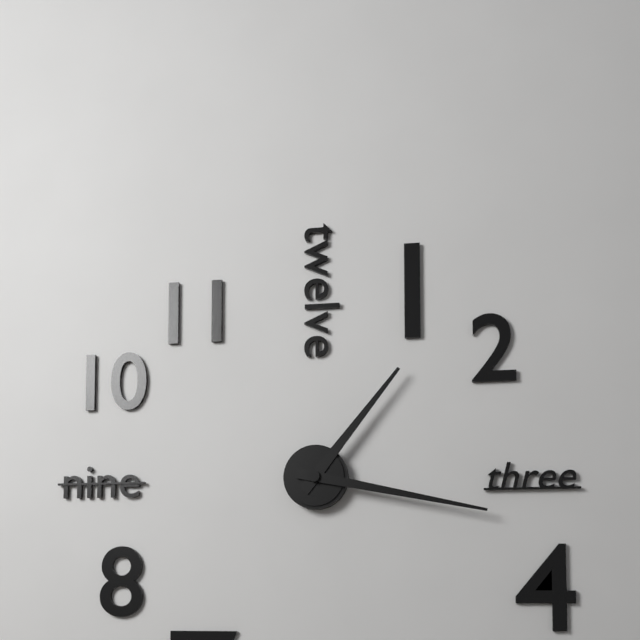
1:17
